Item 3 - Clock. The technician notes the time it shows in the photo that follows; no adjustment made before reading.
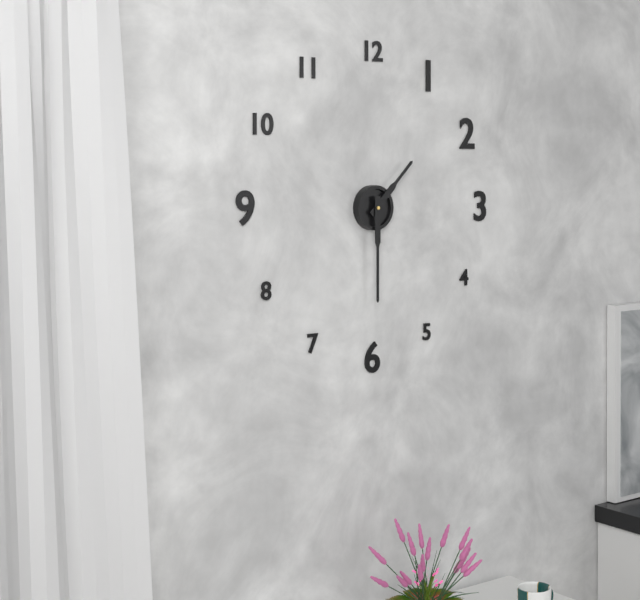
1:30
